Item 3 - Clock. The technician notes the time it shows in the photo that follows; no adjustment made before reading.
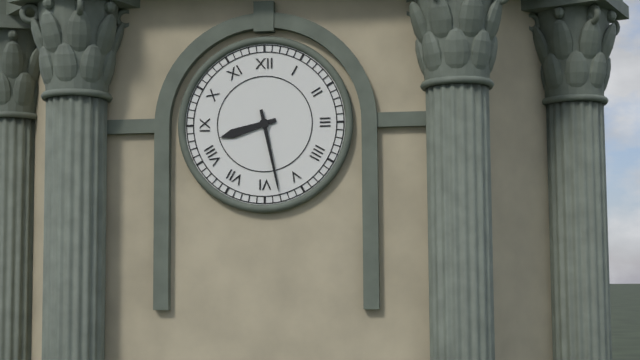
8:28
